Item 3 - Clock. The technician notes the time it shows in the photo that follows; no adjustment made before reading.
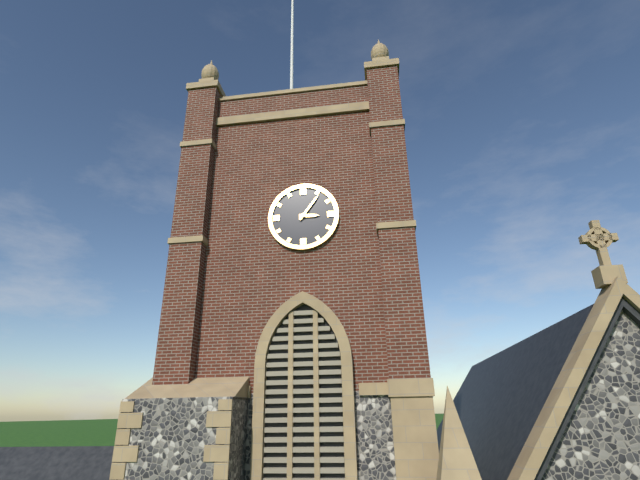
3:06
